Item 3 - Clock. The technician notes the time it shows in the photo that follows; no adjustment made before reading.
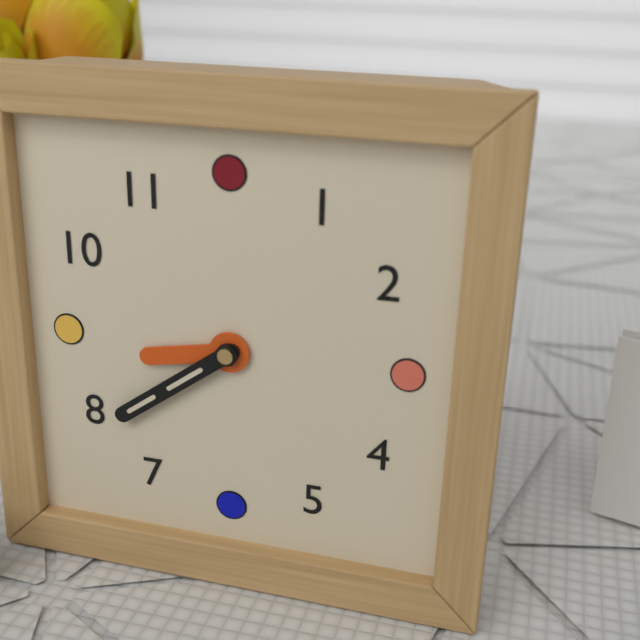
8:39
